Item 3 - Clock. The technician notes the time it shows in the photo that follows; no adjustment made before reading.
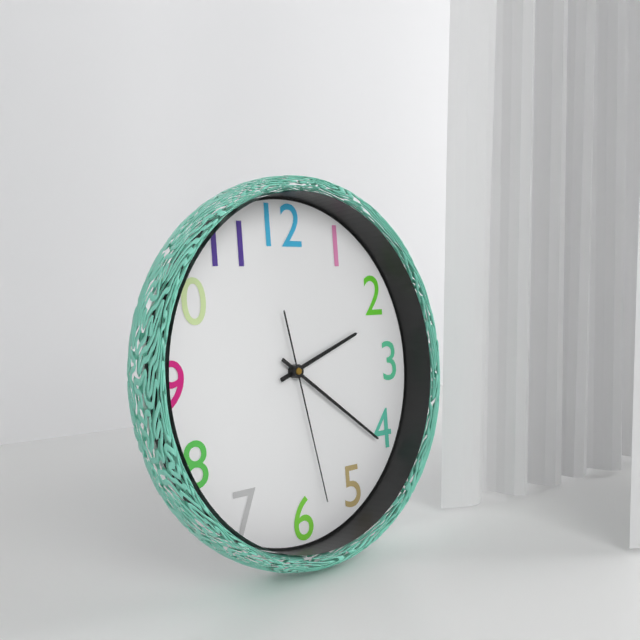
2:21:28
